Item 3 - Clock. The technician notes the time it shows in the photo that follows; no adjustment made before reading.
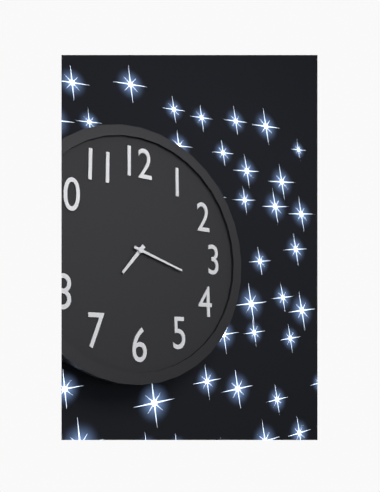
7:18
